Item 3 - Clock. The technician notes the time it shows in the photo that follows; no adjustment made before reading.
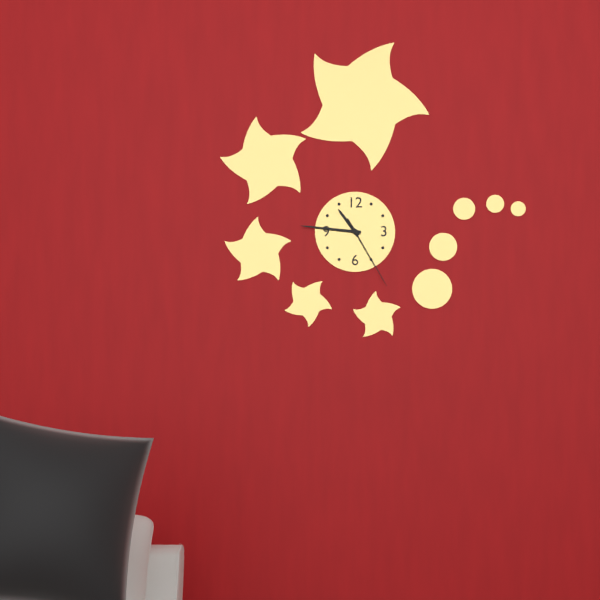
10:46:25
